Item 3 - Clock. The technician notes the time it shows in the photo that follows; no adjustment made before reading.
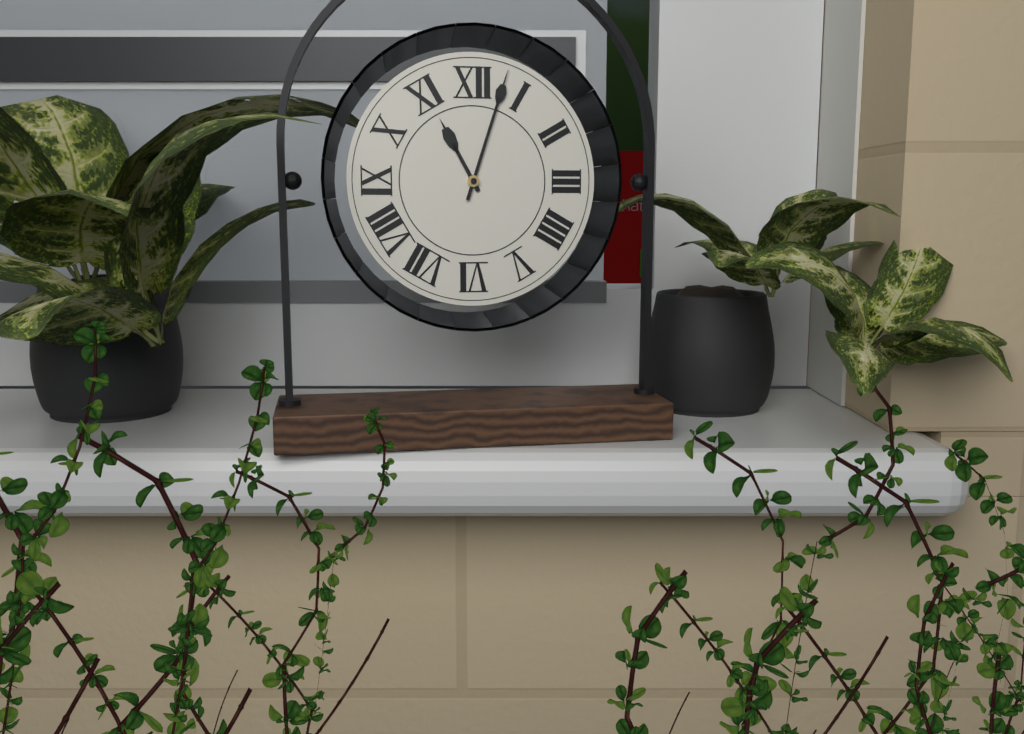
11:03
